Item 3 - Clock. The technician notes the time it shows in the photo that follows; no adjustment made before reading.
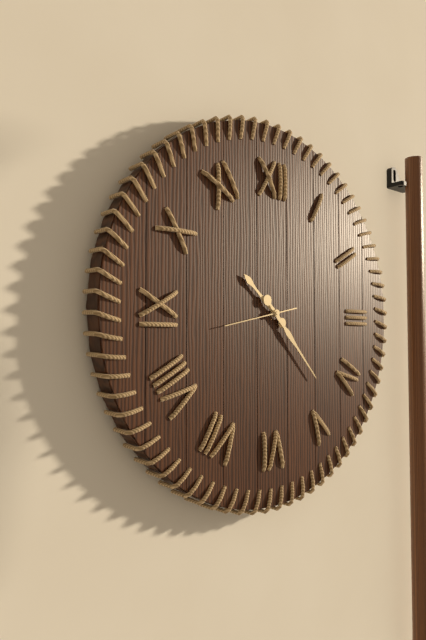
10:23:43
